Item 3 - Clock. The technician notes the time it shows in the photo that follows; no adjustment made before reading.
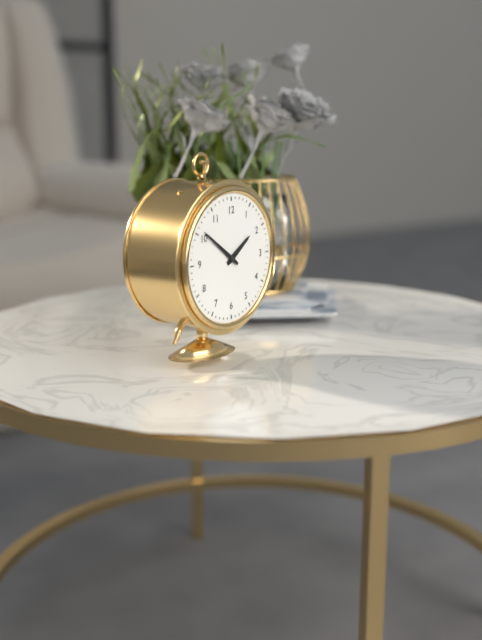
1:51
